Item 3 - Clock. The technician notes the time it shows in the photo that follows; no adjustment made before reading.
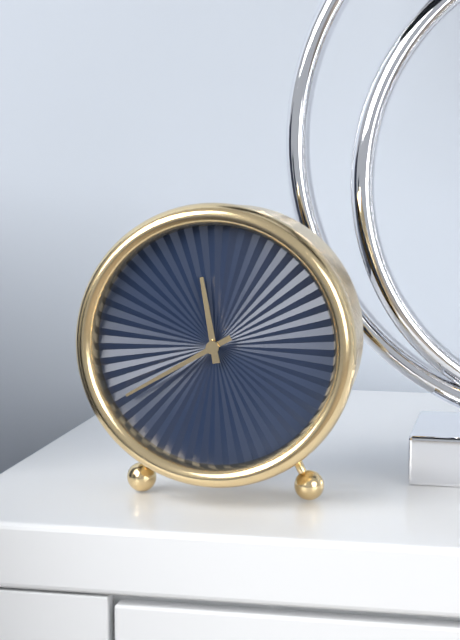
11:40
